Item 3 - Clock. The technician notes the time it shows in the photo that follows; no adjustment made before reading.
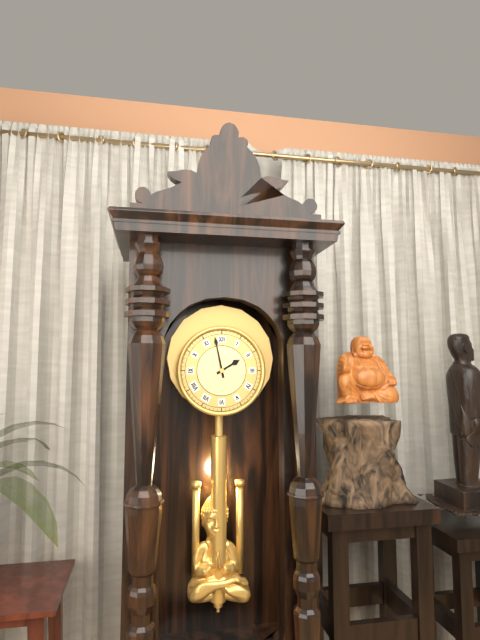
1:58
